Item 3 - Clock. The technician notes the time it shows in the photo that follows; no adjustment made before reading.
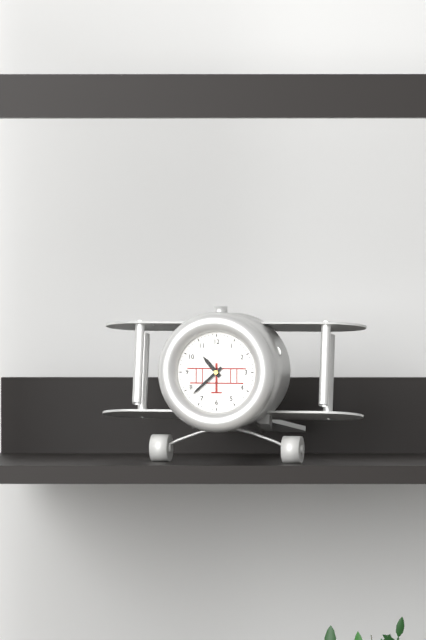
10:38
